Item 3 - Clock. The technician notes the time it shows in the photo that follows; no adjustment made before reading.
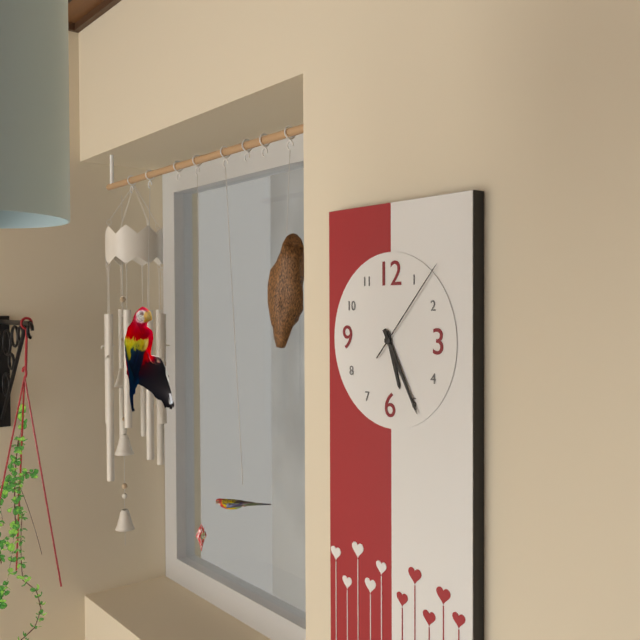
5:25:07
